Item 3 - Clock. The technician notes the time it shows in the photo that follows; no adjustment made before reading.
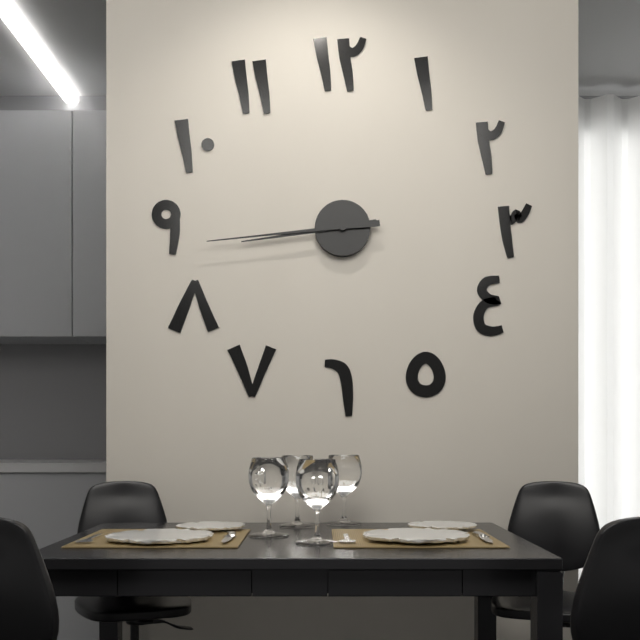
8:44
